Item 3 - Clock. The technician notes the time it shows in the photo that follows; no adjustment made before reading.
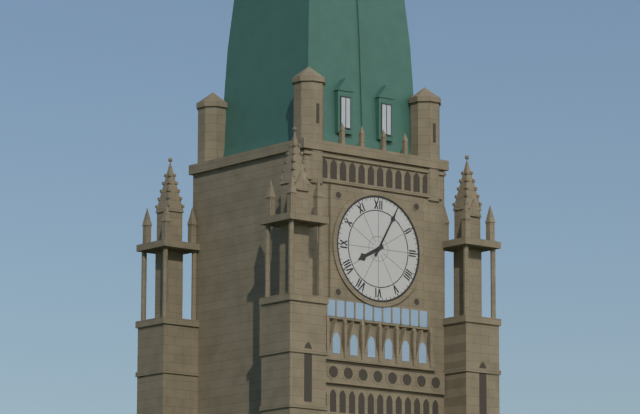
8:05
